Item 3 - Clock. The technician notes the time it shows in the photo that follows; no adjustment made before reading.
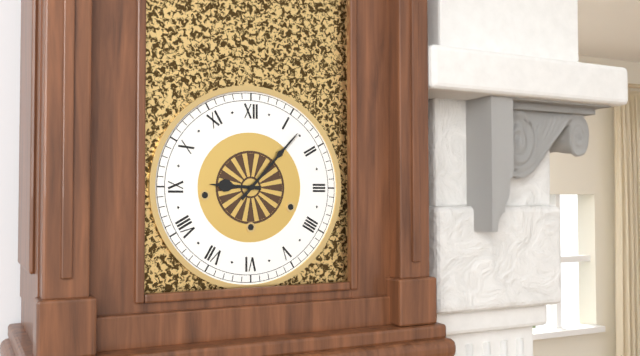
9:07
